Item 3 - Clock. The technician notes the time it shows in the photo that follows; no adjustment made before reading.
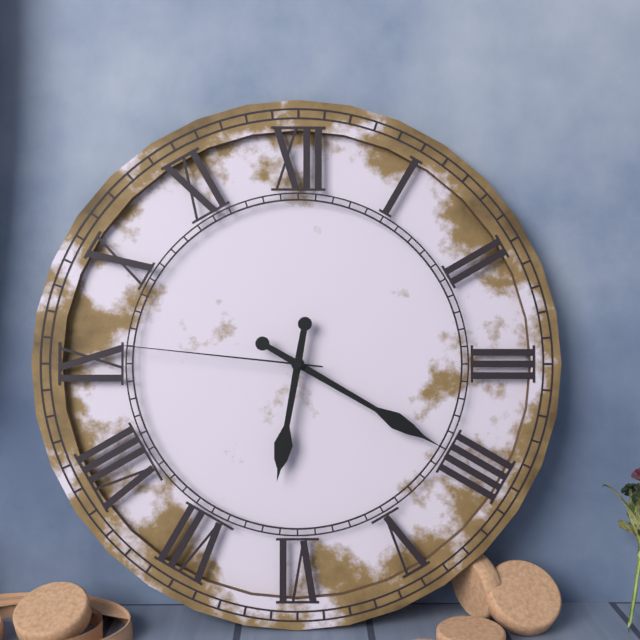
6:20:46
